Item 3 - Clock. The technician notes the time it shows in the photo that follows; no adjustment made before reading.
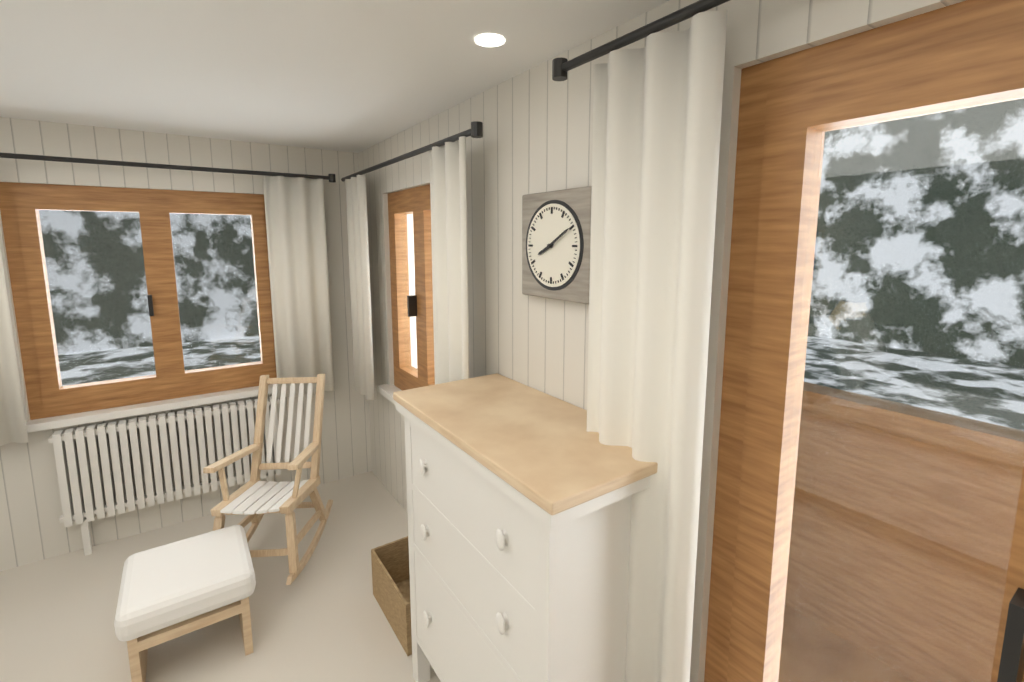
8:10
